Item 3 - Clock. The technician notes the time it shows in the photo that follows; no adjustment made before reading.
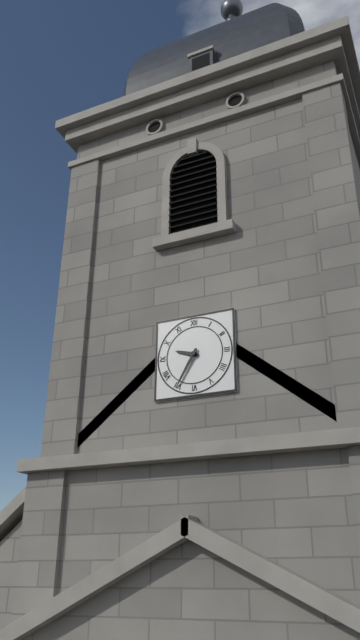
9:35
